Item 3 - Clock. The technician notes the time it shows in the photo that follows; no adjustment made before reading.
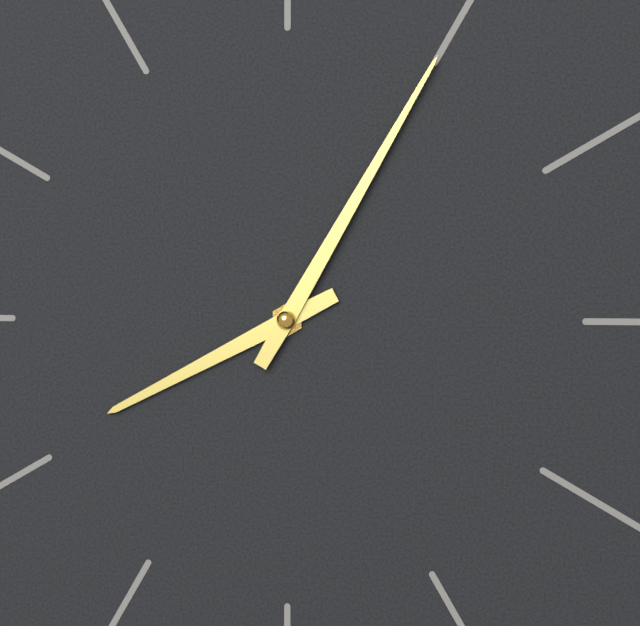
8:05
